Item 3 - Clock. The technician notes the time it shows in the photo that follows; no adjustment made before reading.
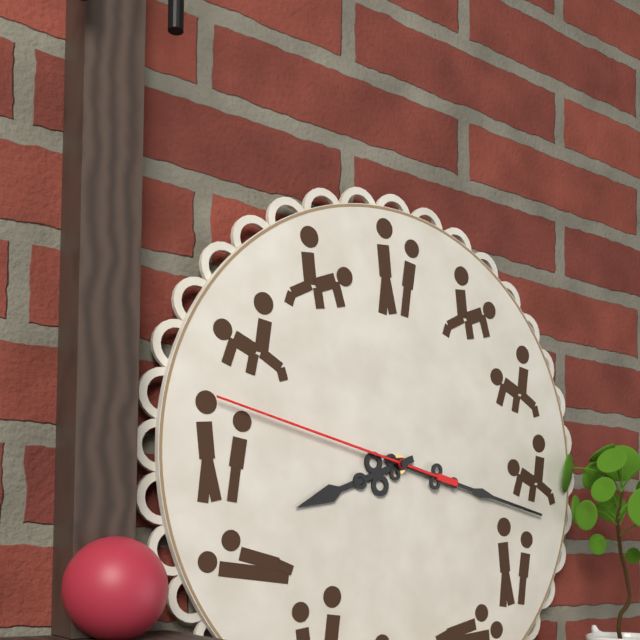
8:17:47
